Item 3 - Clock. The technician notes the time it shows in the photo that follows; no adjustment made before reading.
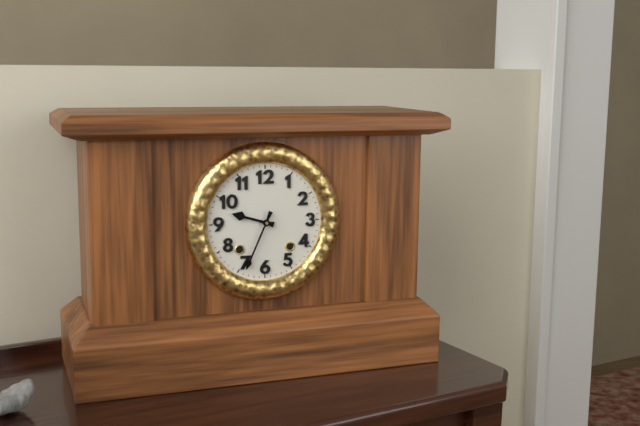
9:34
